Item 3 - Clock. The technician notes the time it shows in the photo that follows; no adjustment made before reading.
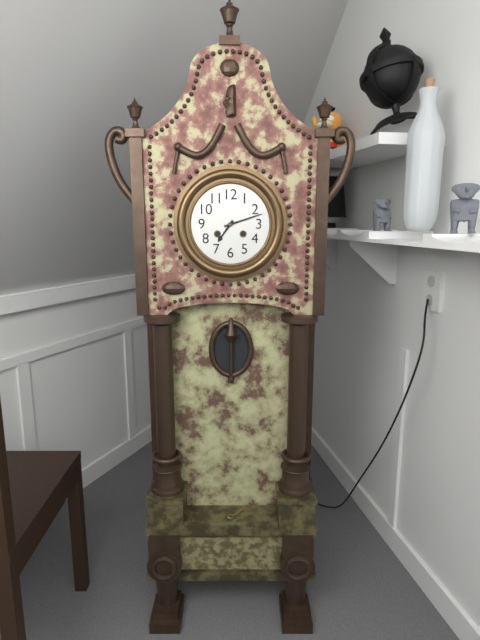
7:12
